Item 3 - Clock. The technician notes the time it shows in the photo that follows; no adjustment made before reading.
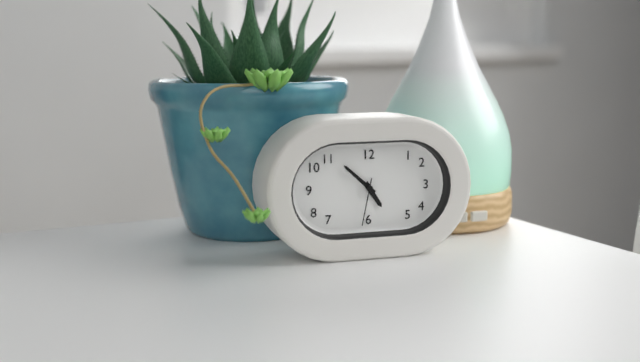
4:52:32
